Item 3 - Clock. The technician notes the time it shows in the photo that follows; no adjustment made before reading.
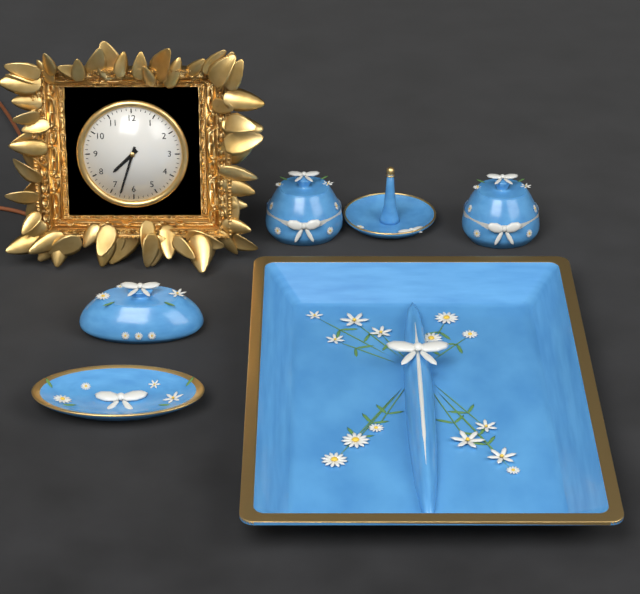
7:33
